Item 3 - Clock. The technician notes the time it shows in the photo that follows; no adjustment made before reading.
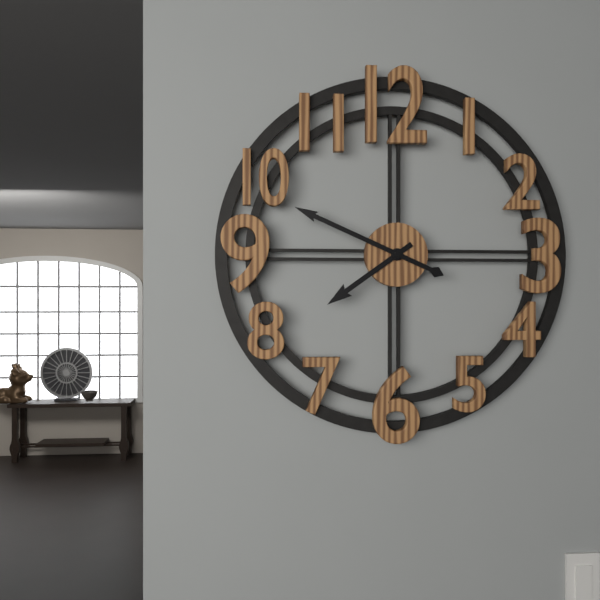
7:49
